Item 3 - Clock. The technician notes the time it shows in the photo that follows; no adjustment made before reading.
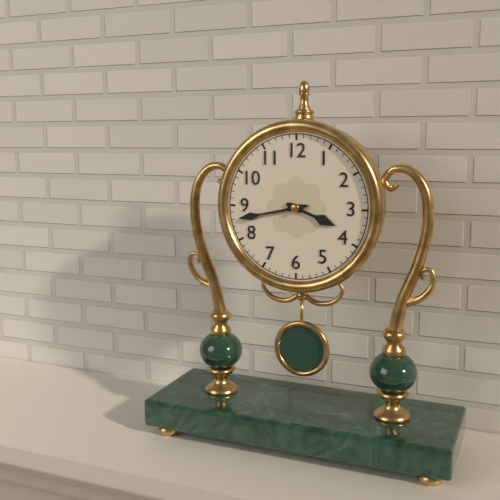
3:43
